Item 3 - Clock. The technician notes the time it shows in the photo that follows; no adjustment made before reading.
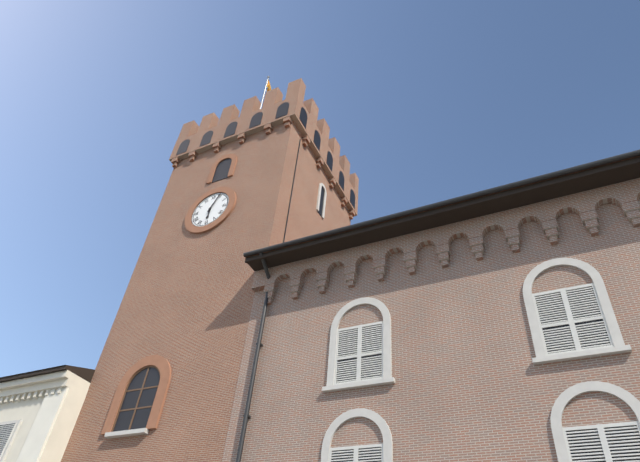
6:04
